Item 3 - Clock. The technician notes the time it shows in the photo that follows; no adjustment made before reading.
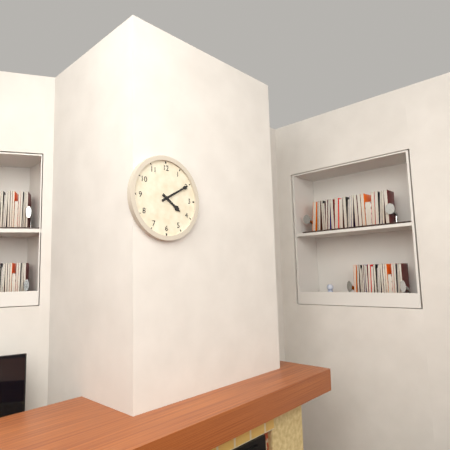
4:10
